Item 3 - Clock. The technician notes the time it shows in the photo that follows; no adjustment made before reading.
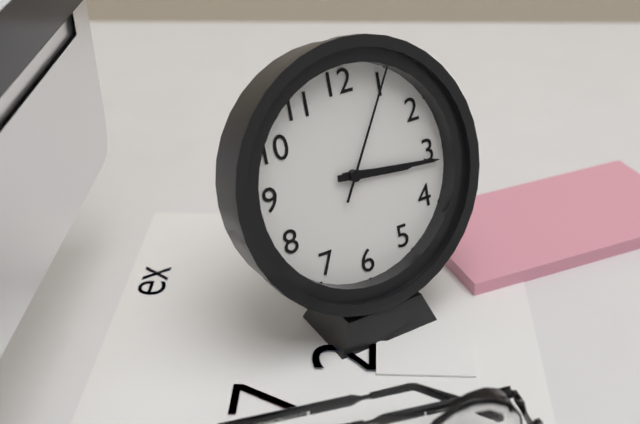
3:16:05
